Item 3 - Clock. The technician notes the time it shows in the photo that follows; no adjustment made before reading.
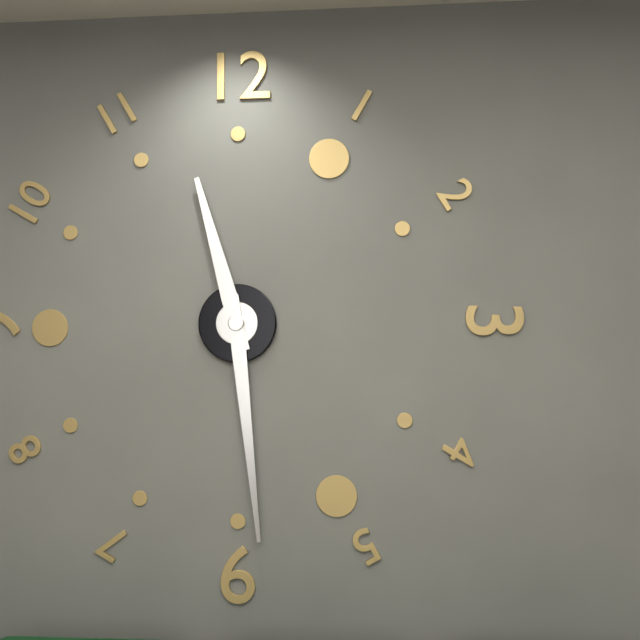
11:29
